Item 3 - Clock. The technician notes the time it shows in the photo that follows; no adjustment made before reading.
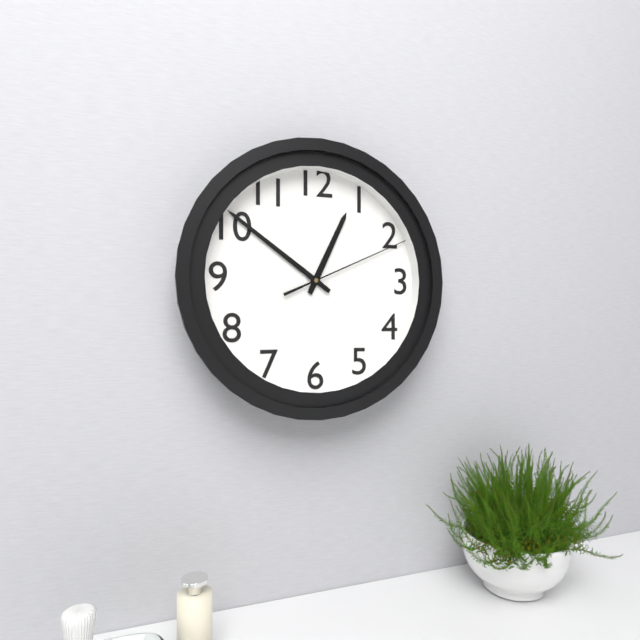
12:51:11
